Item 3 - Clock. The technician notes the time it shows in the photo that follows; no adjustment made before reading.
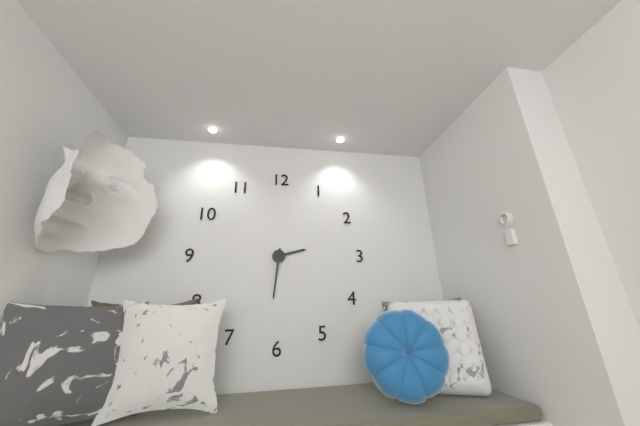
2:31
